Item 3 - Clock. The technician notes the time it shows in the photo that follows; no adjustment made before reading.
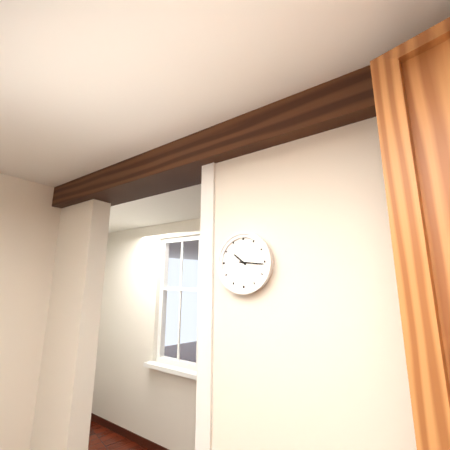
10:16
